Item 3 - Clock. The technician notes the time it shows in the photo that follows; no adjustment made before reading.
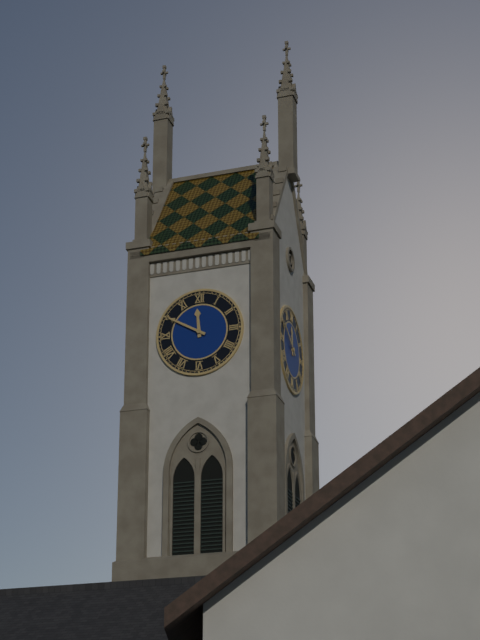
11:50
